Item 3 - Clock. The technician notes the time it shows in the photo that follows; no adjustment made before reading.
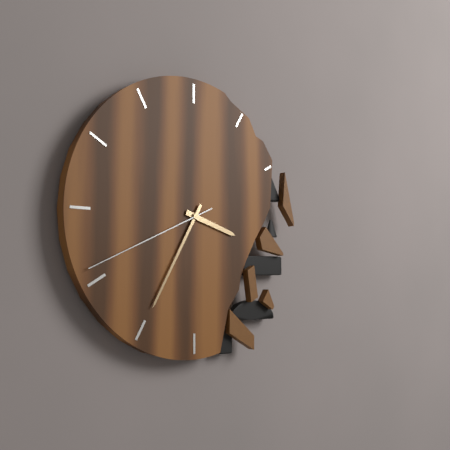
3:35:41
